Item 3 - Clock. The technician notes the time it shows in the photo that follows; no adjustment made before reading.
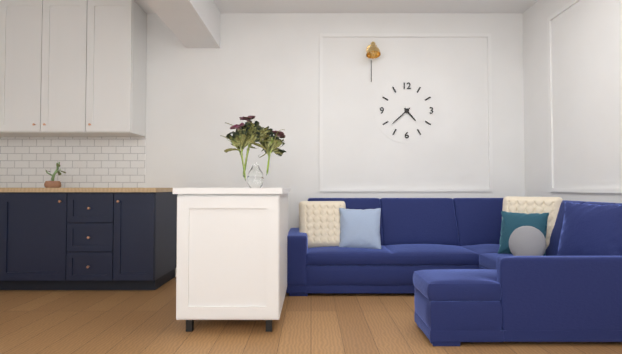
4:38
